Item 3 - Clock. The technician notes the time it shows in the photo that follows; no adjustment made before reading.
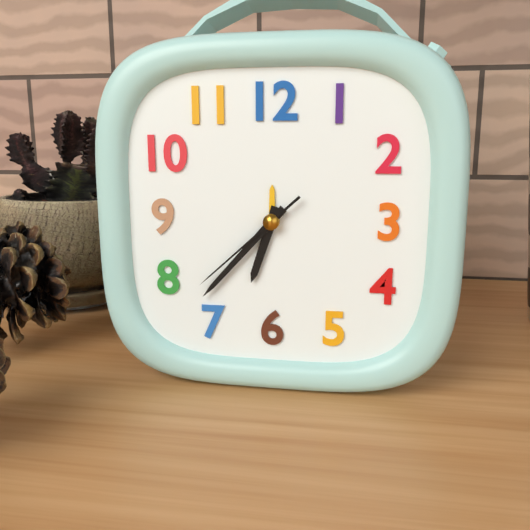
6:37:38
